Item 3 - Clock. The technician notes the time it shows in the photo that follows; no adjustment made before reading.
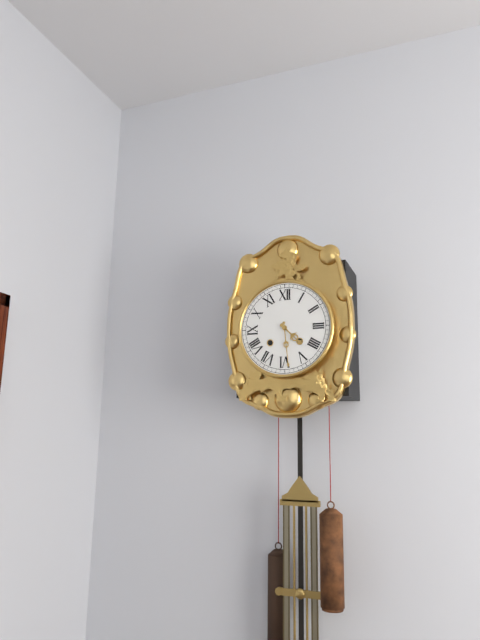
4:29
